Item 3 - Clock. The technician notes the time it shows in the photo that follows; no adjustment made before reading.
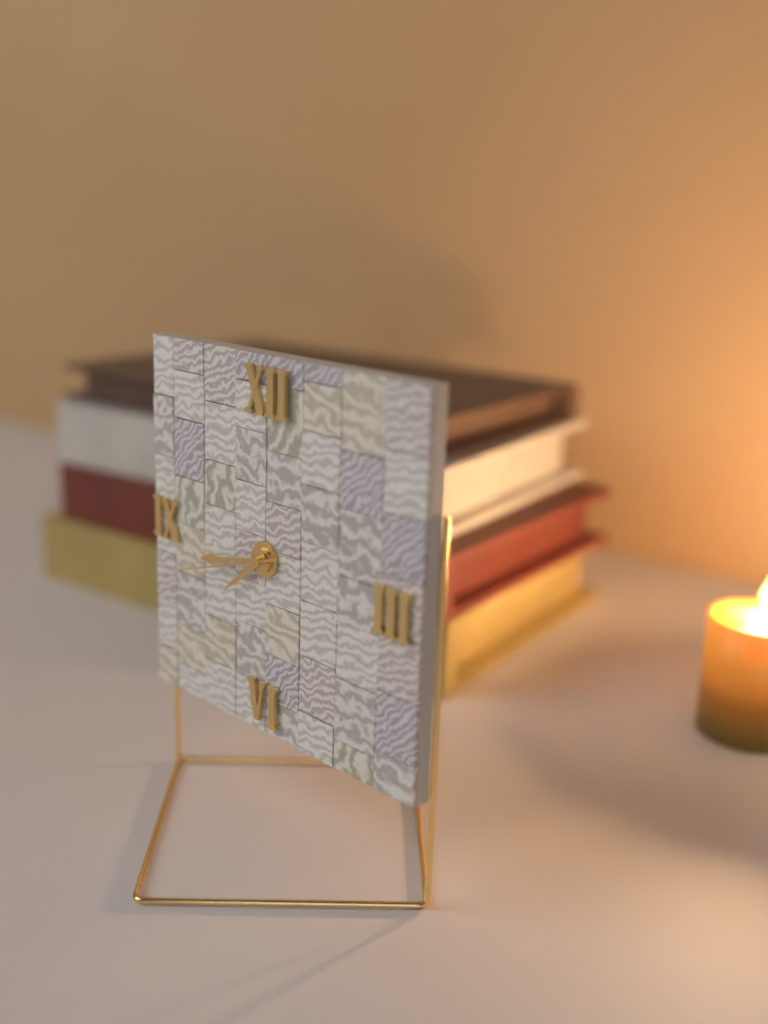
7:43:42
